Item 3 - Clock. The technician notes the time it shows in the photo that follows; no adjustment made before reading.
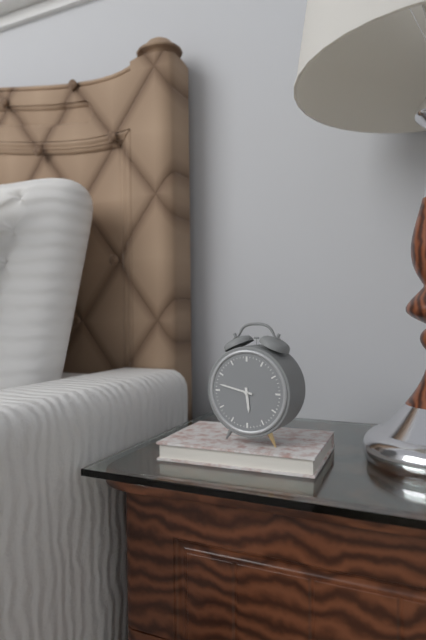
5:47
